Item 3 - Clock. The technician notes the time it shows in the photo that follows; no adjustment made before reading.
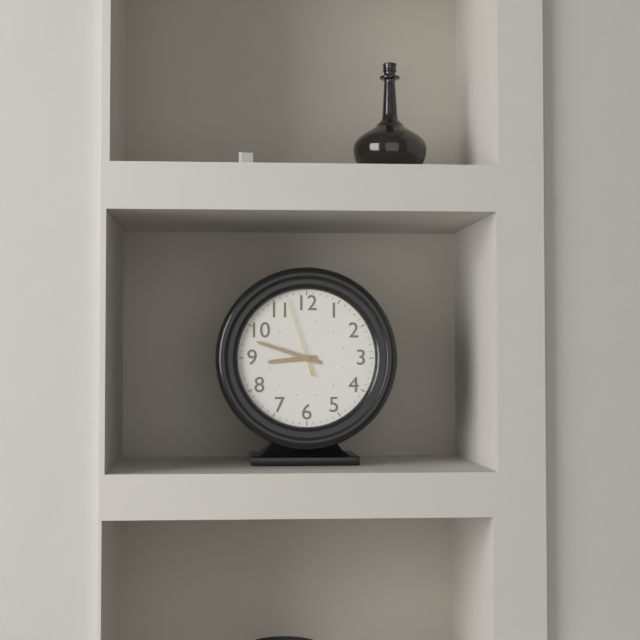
8:48:57
